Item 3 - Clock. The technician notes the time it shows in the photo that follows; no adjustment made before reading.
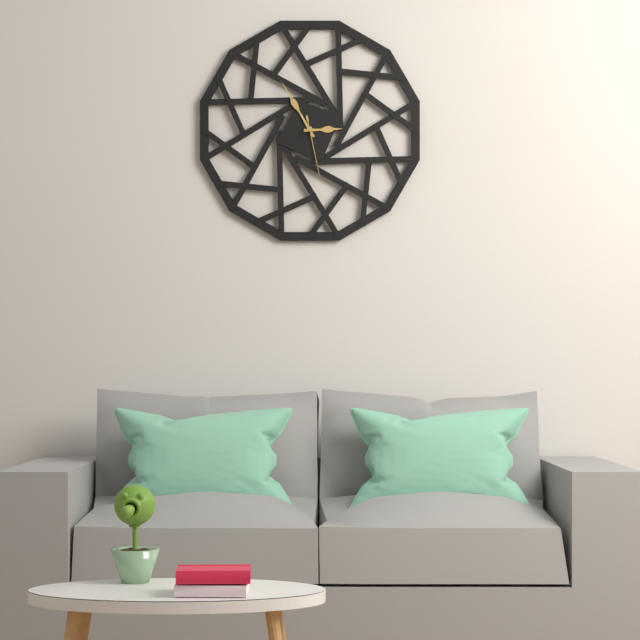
2:55:28
